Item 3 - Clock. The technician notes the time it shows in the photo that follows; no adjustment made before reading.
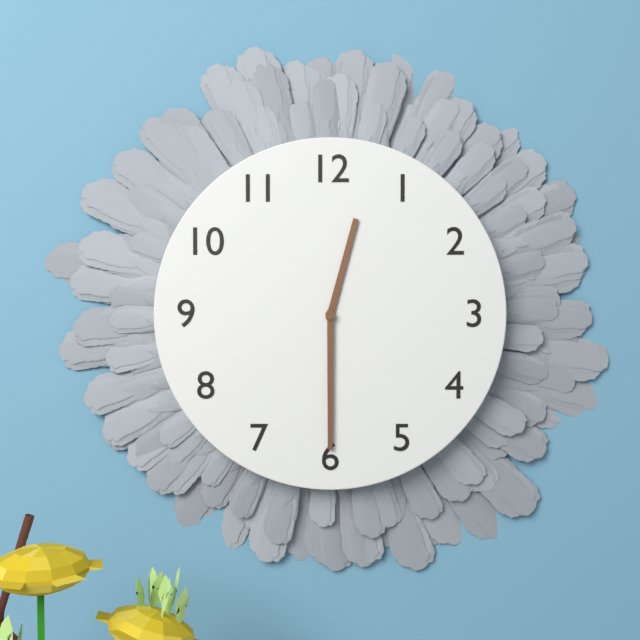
12:30
